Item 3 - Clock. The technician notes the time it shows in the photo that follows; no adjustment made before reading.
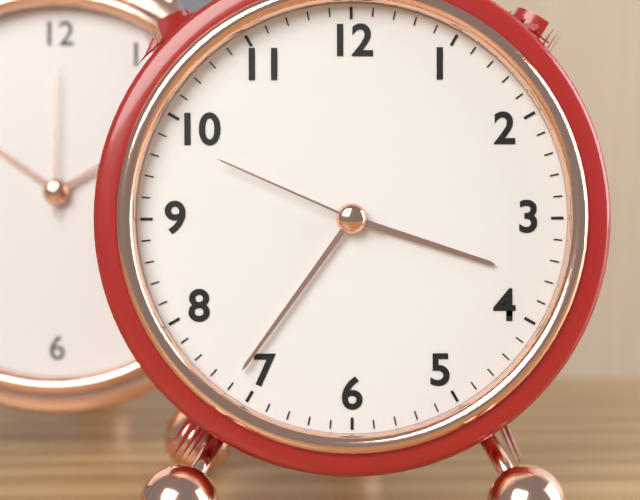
3:36:49
